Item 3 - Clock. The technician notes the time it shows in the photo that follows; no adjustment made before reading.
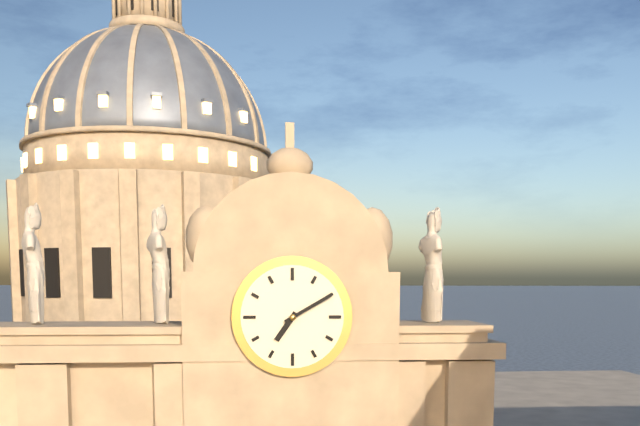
7:10
